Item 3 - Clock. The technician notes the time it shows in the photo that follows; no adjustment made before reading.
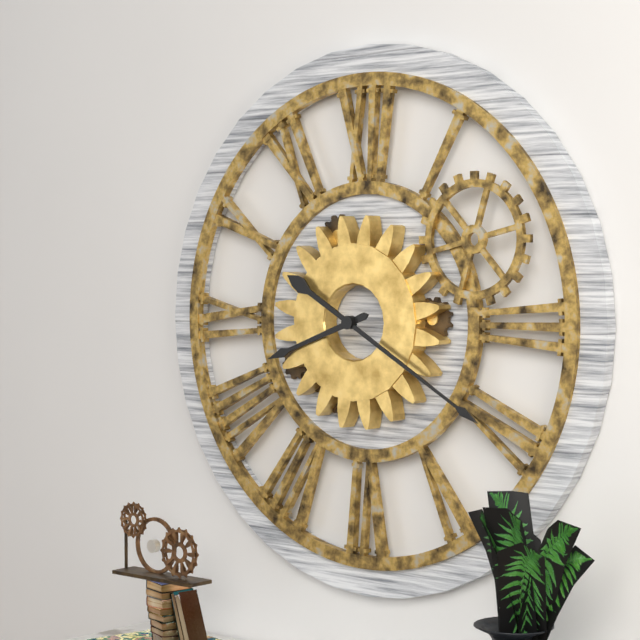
8:20
